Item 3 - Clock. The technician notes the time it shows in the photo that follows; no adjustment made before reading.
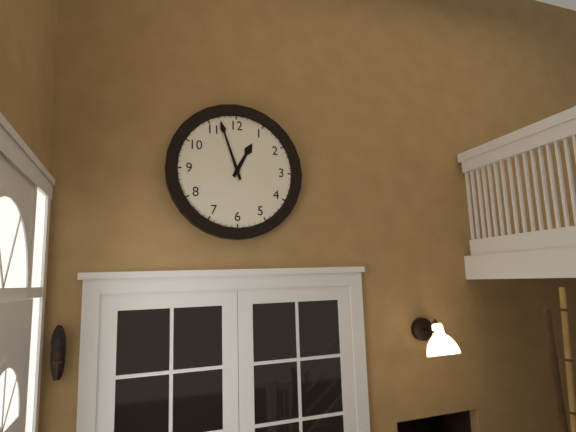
12:57
